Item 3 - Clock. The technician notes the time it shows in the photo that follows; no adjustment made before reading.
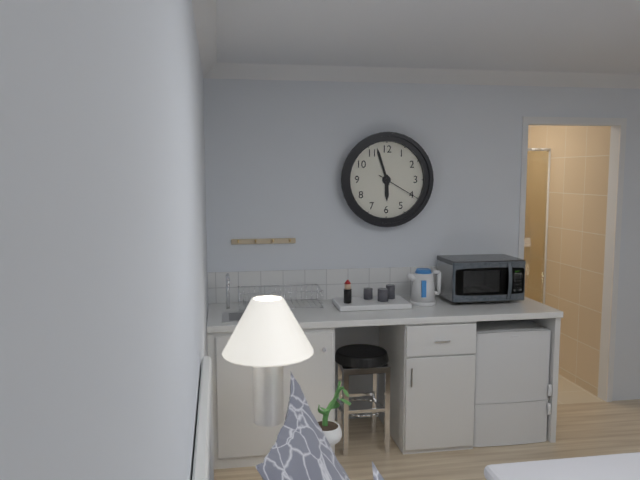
5:57
